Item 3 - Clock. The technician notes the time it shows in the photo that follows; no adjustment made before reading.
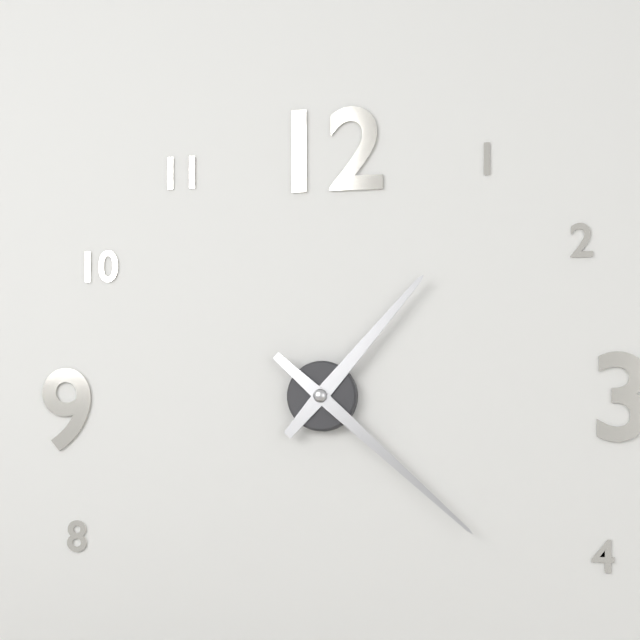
1:22
